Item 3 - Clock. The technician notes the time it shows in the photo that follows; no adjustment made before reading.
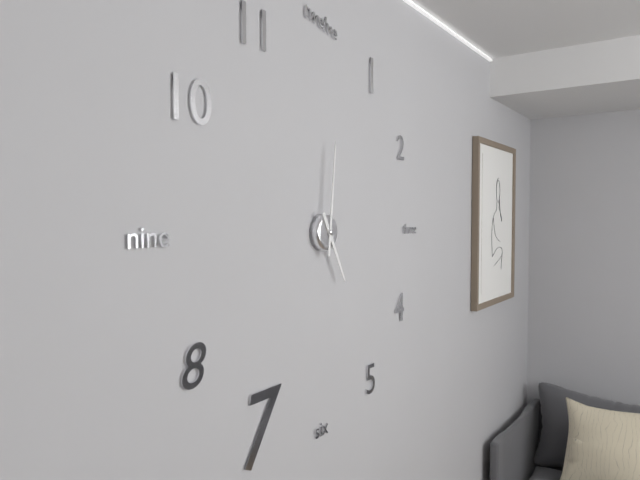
5:01
